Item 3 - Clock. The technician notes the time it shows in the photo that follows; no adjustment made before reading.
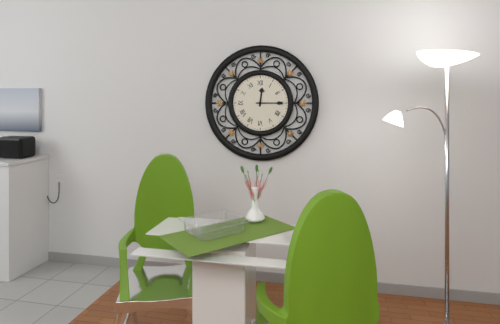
12:15
